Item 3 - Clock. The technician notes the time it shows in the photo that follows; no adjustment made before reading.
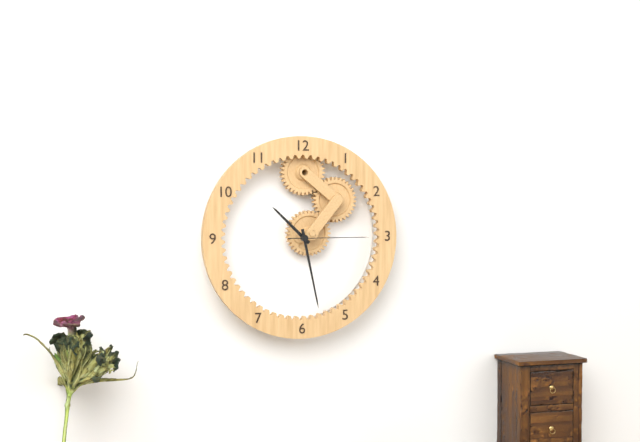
10:28:15
